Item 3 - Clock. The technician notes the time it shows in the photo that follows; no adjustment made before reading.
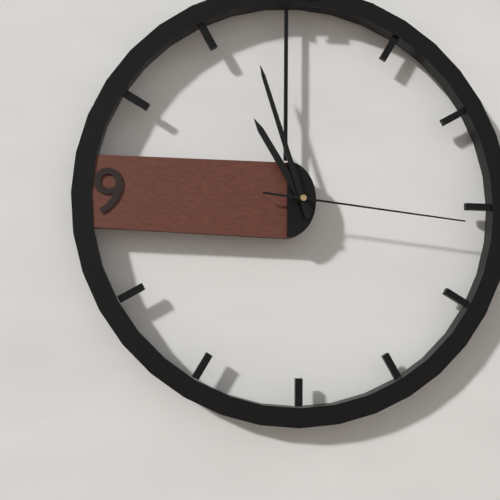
10:57:16
